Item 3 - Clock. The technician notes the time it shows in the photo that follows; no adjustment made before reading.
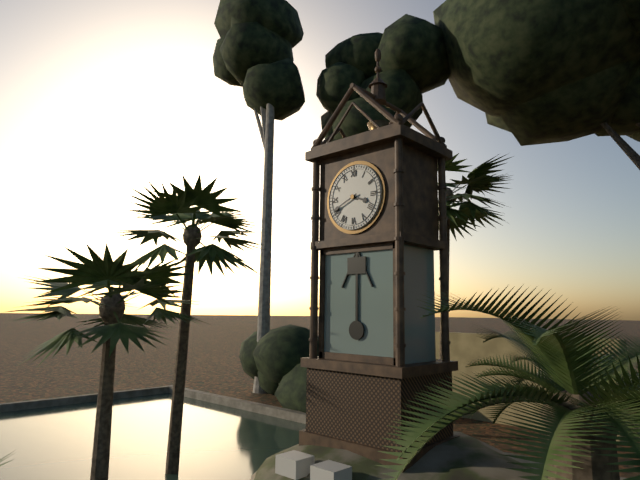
3:41
